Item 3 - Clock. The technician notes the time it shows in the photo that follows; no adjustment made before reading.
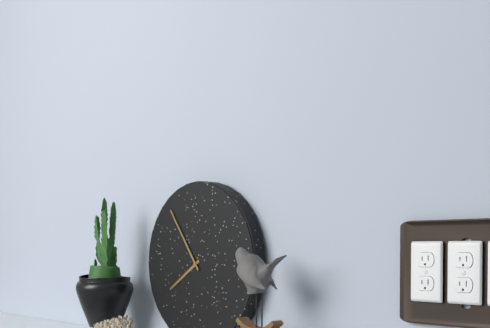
7:54
